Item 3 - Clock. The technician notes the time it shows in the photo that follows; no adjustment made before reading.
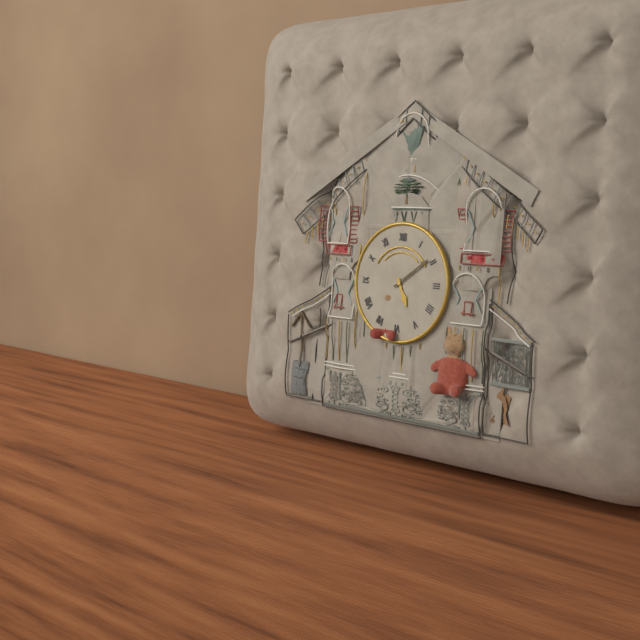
5:09
